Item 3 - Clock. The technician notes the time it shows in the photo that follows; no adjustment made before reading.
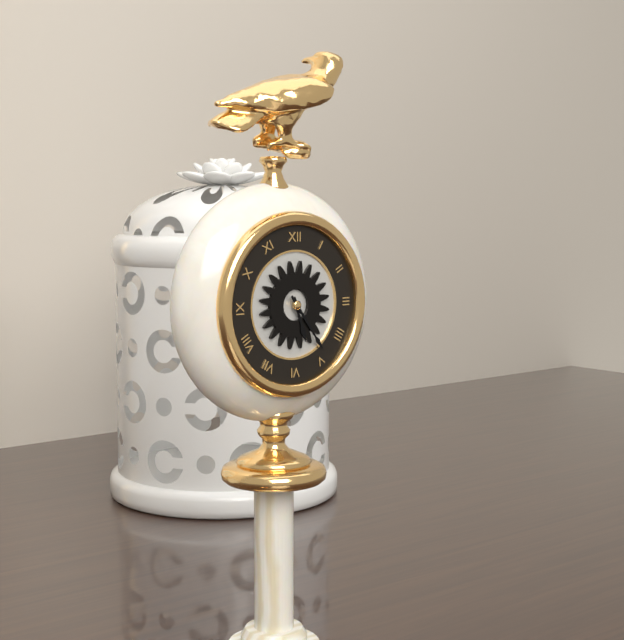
5:24
